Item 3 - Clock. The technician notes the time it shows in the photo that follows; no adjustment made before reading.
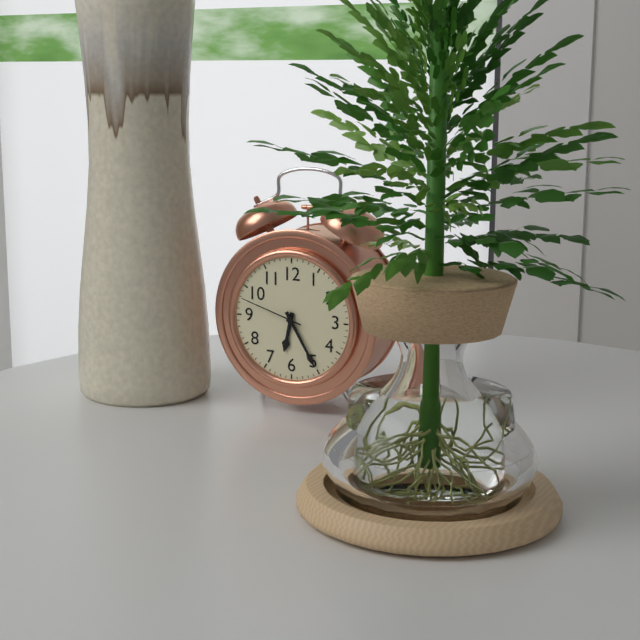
6:25:48
